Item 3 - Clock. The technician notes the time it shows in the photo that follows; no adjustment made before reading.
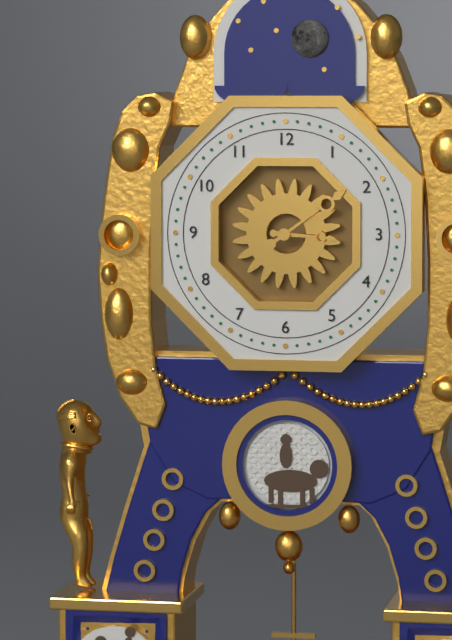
3:09
